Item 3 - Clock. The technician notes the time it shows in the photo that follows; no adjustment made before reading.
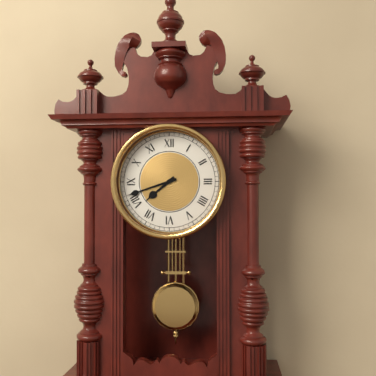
7:42
